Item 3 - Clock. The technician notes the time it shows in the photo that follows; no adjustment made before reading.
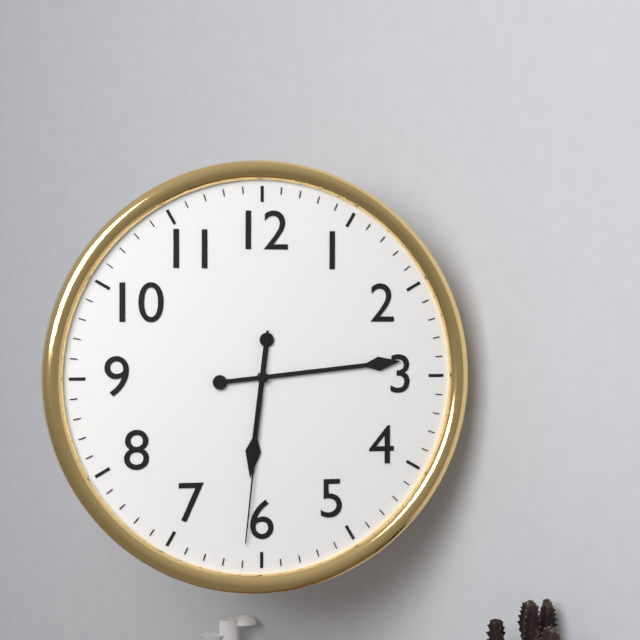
6:14:31
